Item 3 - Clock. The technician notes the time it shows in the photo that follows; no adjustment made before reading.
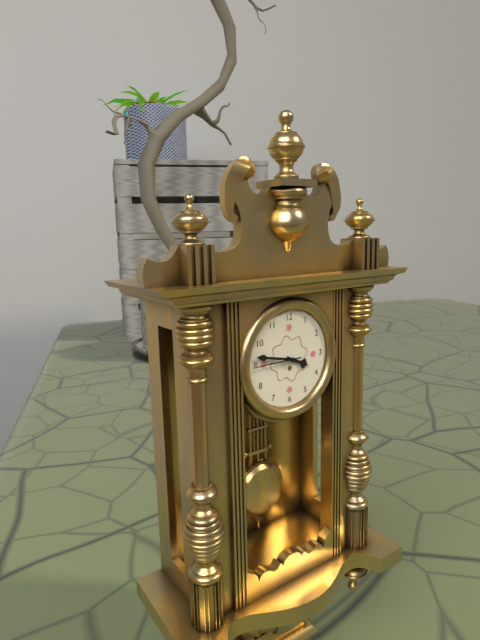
3:47
